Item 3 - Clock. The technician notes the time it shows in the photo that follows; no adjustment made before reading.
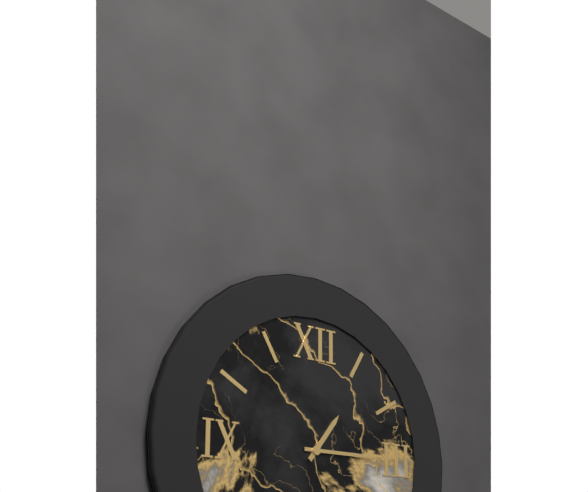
1:15
